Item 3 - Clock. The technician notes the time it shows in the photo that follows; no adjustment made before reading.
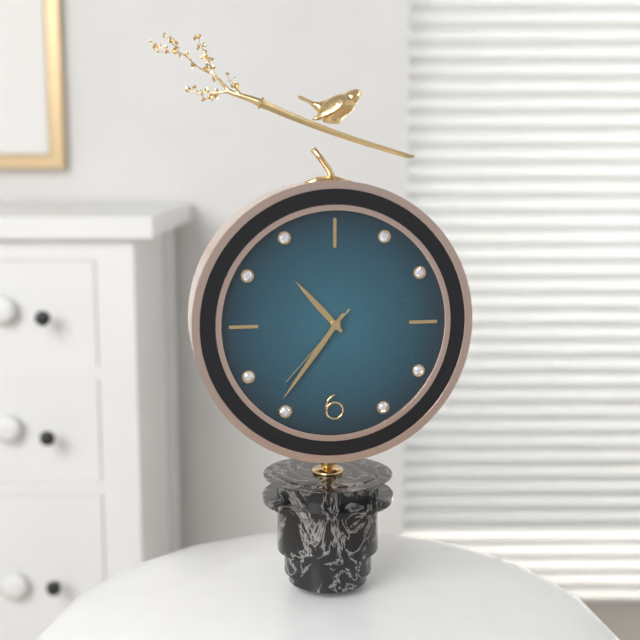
10:36:37
